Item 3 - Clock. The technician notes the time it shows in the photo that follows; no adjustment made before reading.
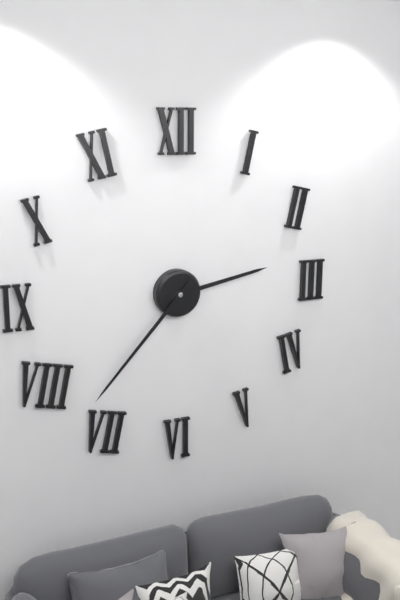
2:37
